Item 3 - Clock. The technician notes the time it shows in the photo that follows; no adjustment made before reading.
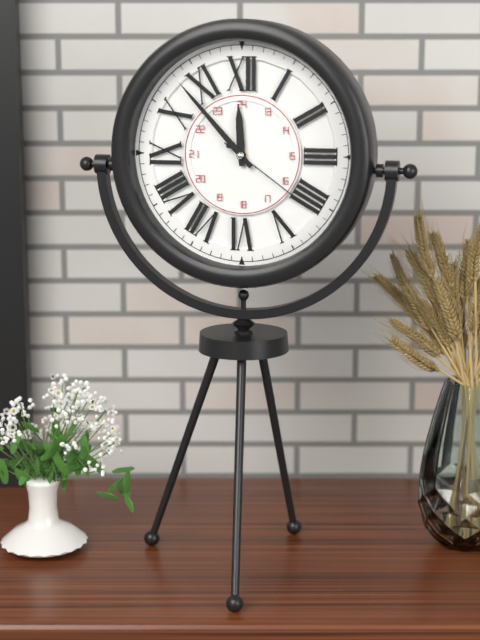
11:53:21
